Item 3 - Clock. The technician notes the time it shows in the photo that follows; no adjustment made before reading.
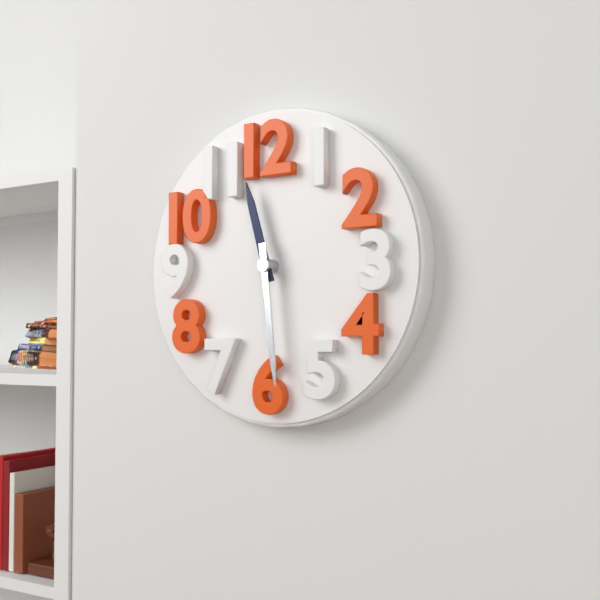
11:29
